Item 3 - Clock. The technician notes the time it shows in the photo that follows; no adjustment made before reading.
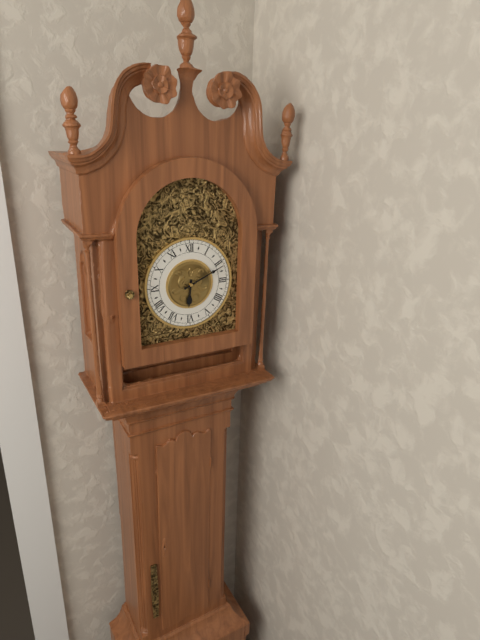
6:11
